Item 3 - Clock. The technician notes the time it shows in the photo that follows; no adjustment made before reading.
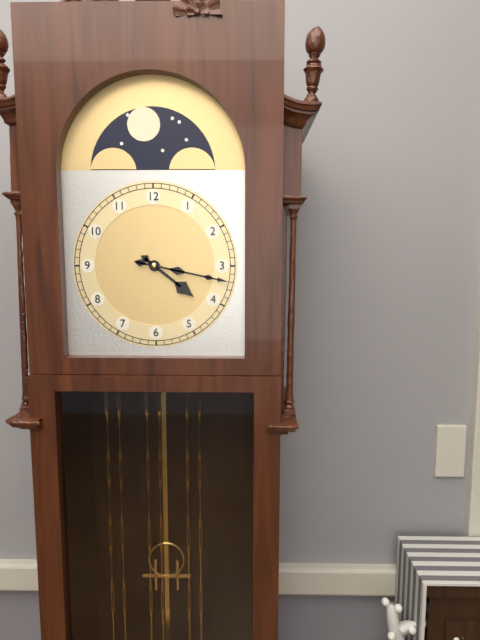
4:17
